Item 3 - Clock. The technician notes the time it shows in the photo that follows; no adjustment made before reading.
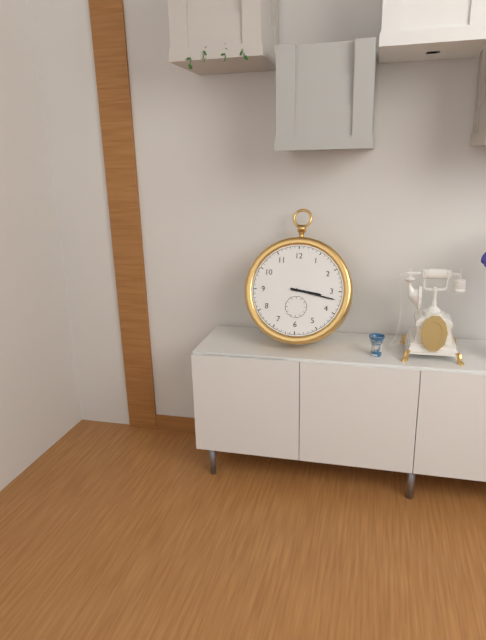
3:17
